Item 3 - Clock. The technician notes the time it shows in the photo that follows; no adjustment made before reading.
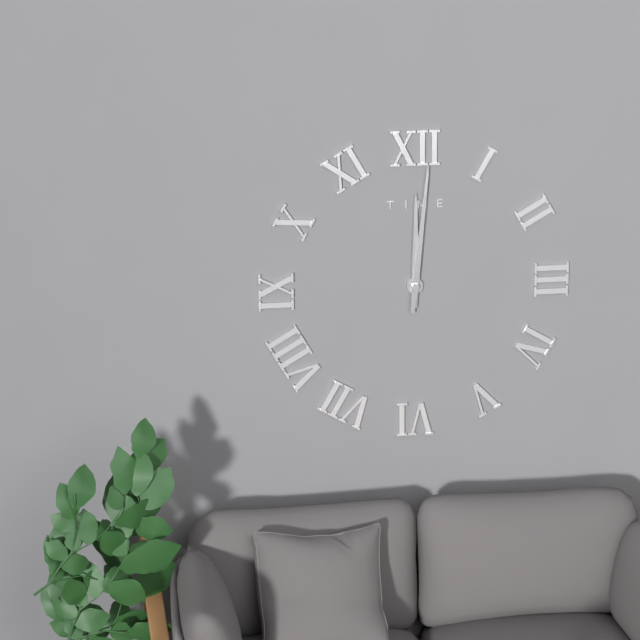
12:01
